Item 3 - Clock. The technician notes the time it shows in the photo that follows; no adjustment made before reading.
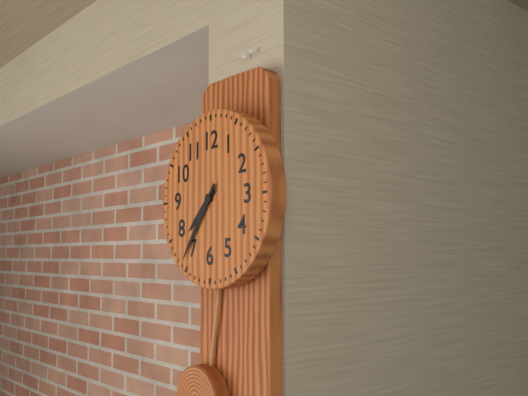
7:36
